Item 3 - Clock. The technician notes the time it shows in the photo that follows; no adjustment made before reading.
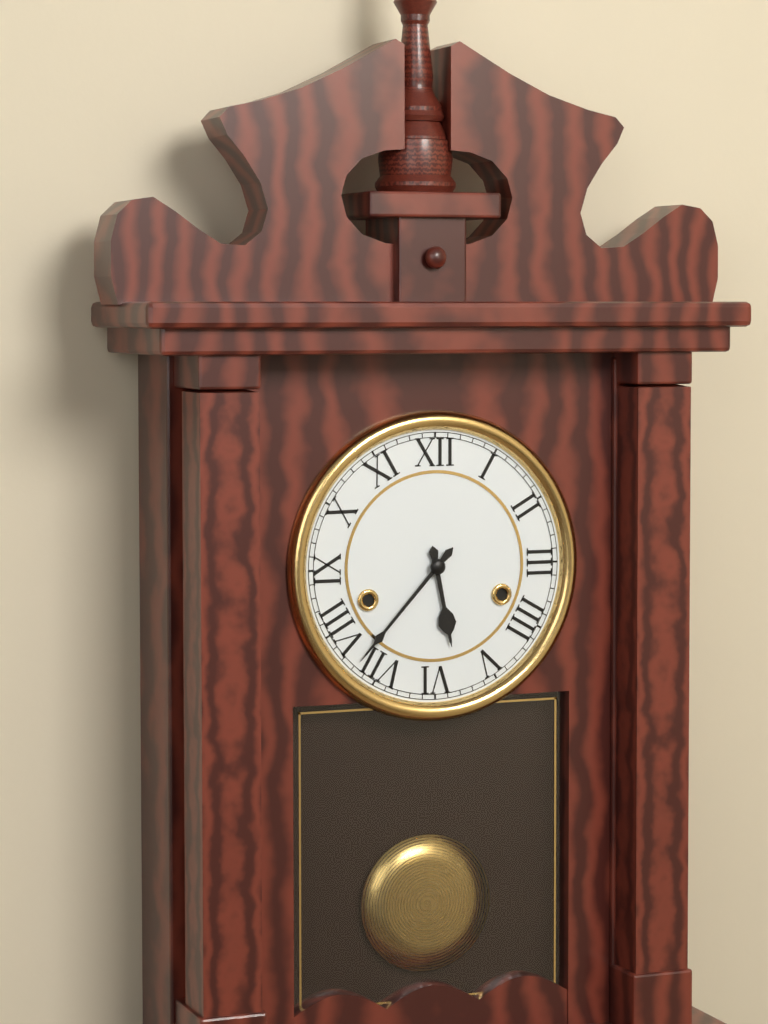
5:37
